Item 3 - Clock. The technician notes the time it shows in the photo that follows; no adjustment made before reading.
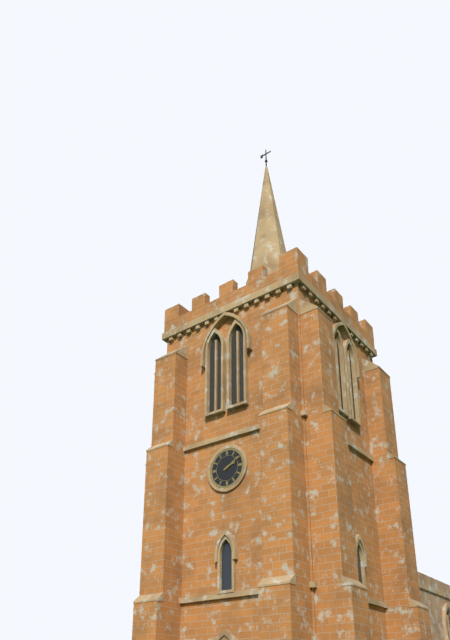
2:10
